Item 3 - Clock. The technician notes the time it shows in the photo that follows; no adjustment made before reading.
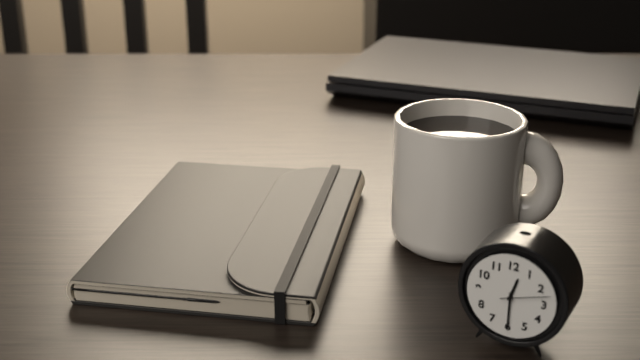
12:30:12
